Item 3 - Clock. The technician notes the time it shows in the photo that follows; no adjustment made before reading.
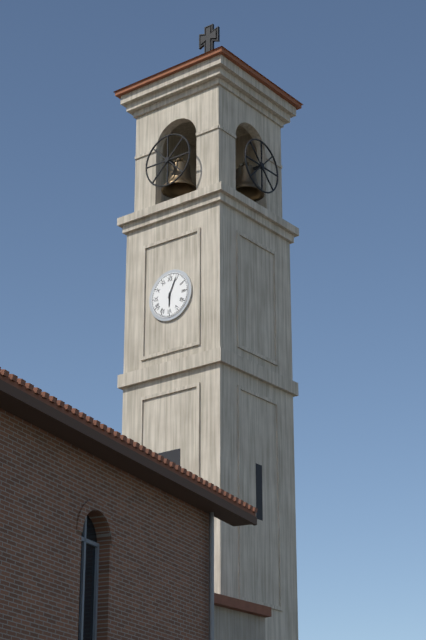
6:04
